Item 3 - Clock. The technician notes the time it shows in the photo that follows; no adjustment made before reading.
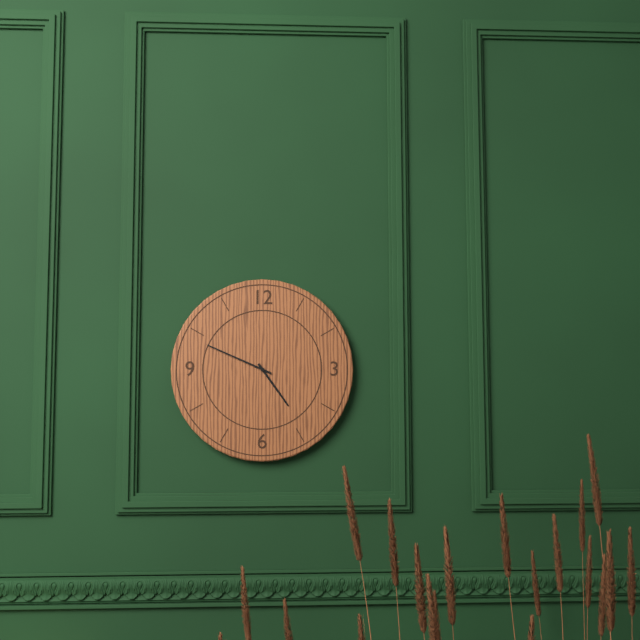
4:49
